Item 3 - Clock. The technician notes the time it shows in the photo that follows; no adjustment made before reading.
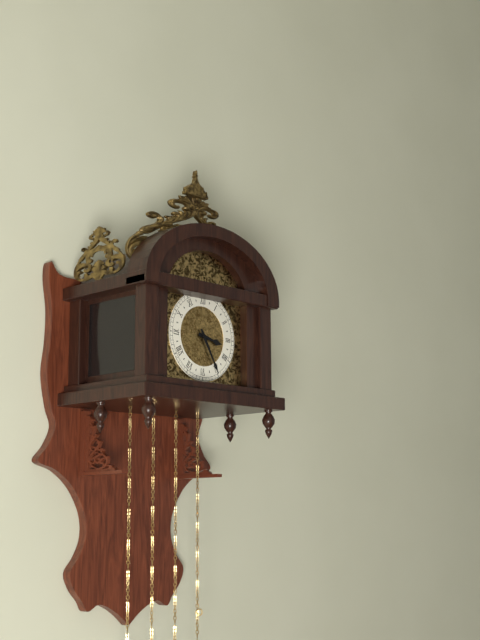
3:25
